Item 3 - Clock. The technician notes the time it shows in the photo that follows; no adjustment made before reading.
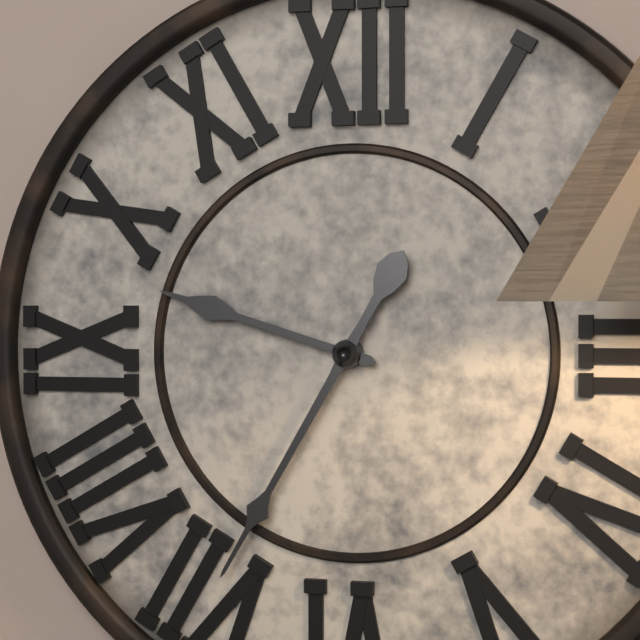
9:35
